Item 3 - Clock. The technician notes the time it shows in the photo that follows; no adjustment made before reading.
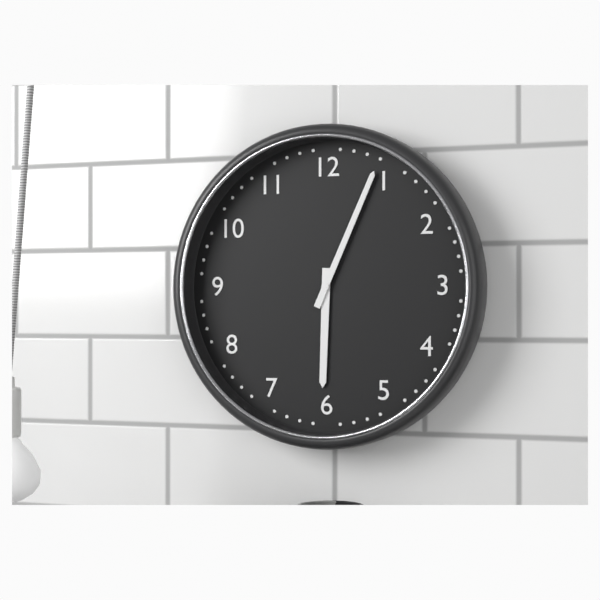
6:04
